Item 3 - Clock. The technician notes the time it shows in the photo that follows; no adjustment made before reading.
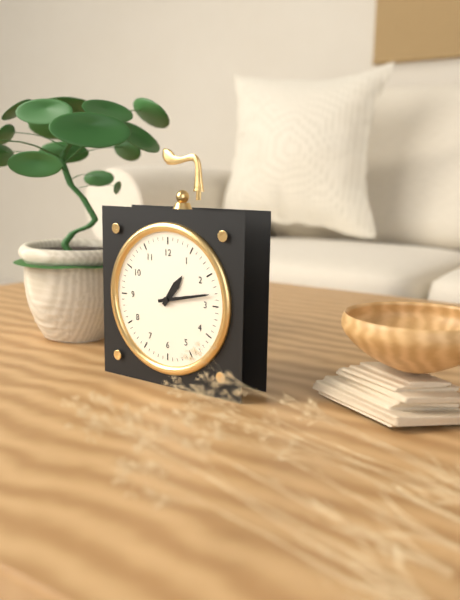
1:13
